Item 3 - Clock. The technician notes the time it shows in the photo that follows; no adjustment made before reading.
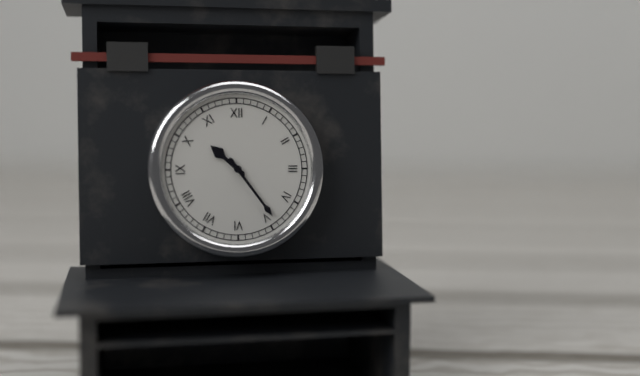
10:24
